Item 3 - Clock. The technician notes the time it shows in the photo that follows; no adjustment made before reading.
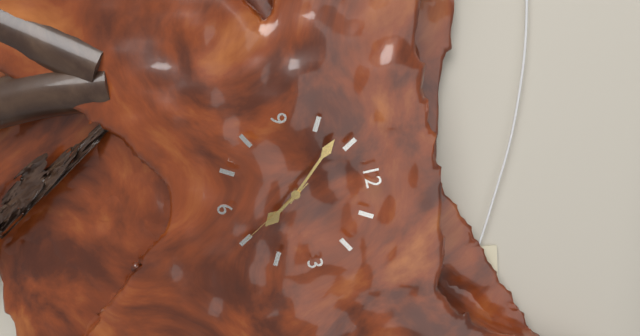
4:53:25
